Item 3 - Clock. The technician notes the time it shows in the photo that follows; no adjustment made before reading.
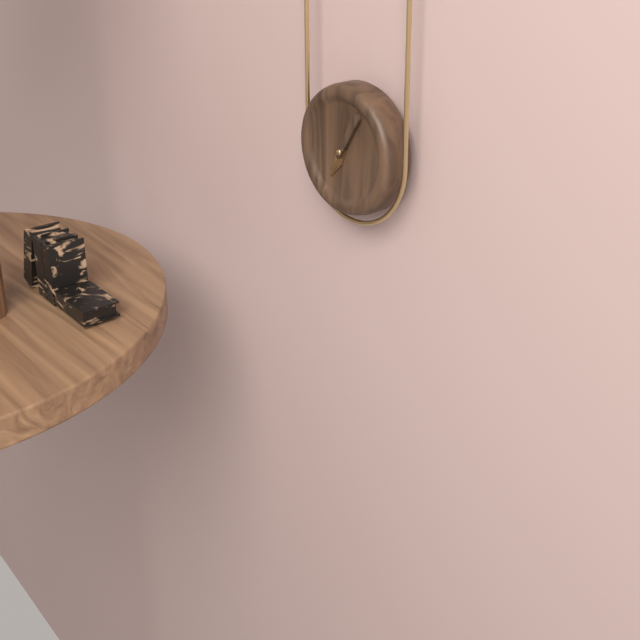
7:05
